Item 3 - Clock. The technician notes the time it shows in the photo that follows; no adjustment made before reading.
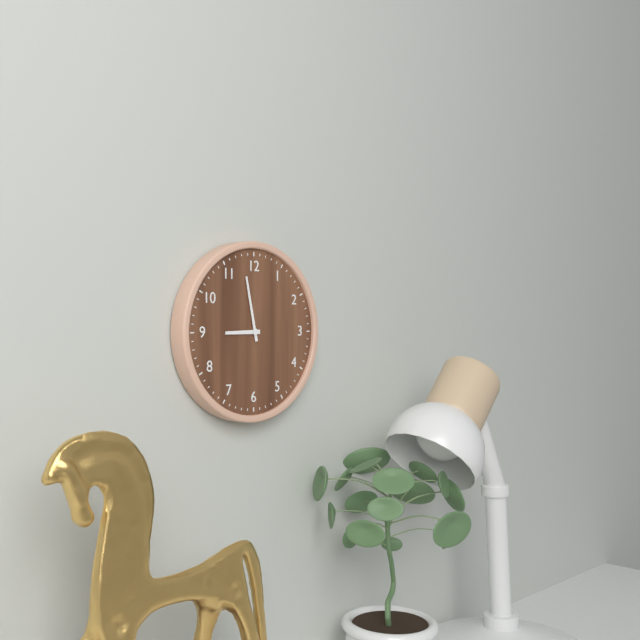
8:58
